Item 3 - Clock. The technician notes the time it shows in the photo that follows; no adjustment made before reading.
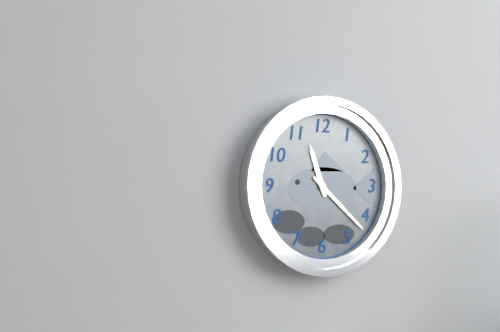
11:22
